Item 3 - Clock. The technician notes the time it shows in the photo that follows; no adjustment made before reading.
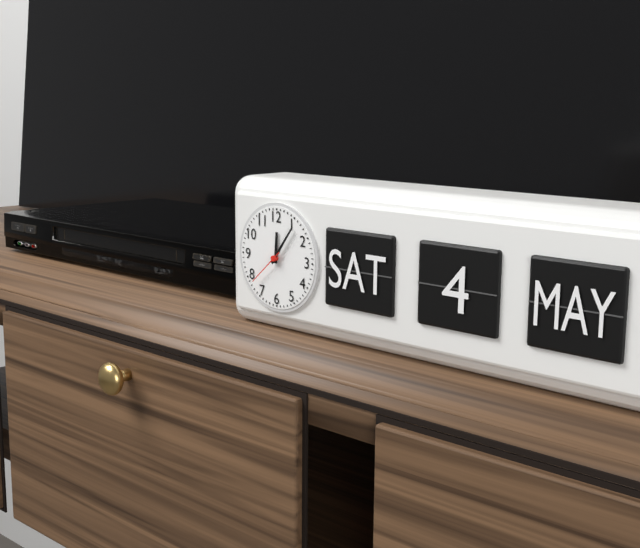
12:06
